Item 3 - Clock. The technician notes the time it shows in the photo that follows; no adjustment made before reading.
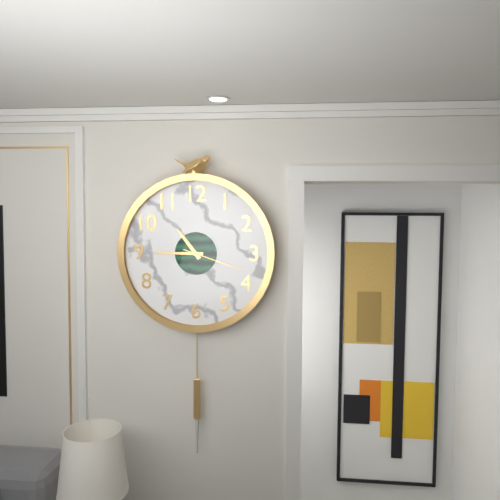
10:45:18
